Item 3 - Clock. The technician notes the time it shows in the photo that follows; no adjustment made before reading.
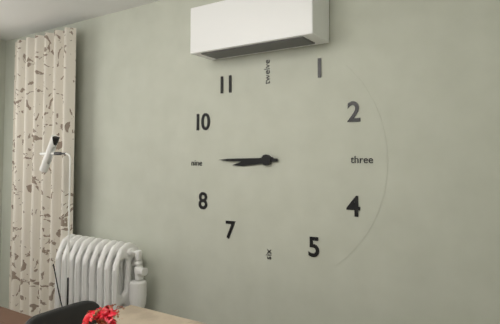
8:45
